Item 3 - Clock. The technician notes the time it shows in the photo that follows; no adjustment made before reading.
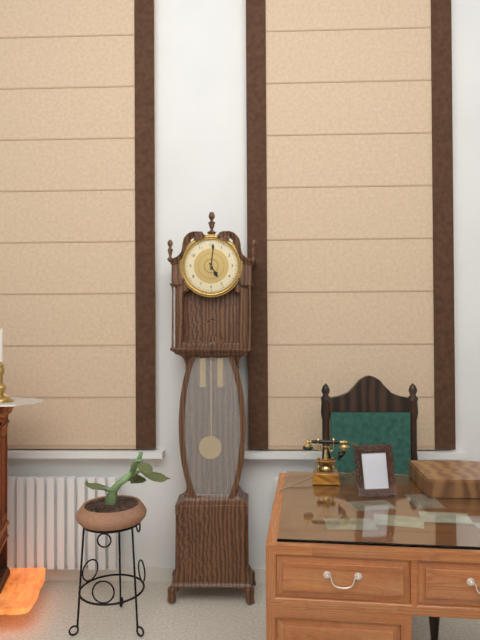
5:01
